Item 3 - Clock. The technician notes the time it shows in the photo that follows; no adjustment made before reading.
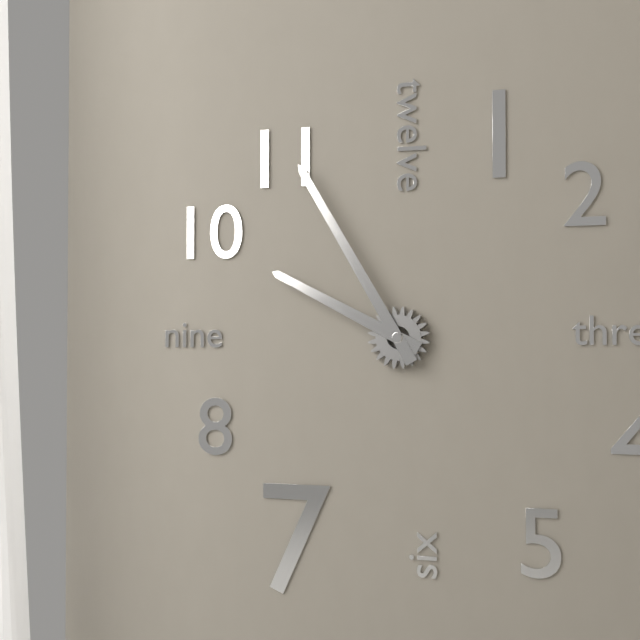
9:55
